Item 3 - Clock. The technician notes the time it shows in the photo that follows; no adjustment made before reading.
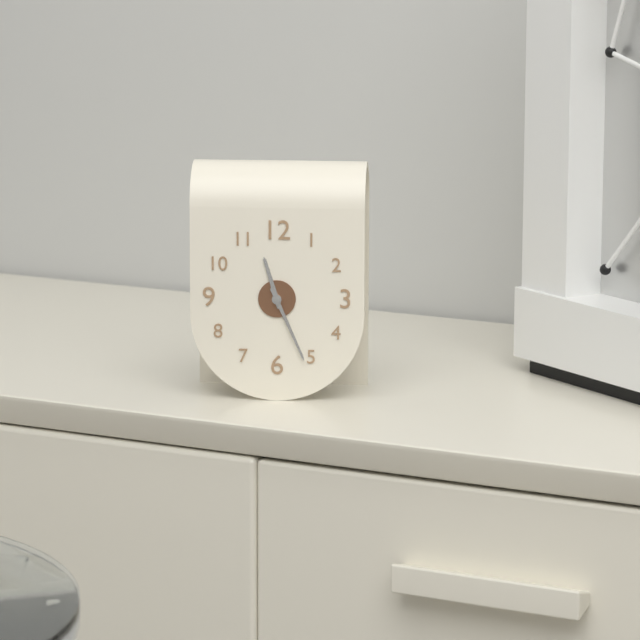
11:26
